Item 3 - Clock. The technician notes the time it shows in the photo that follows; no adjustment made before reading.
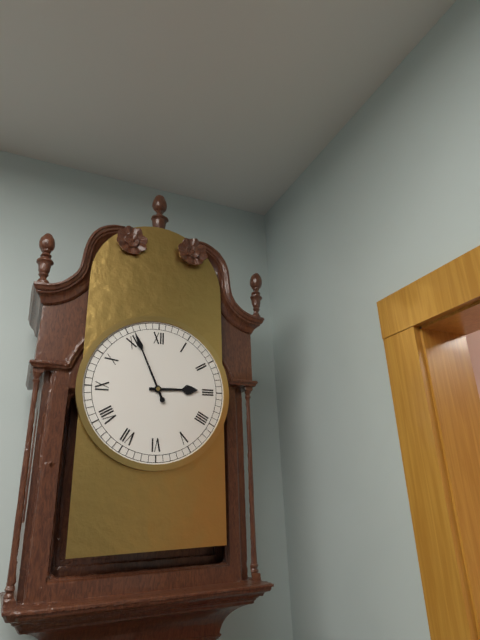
2:56
